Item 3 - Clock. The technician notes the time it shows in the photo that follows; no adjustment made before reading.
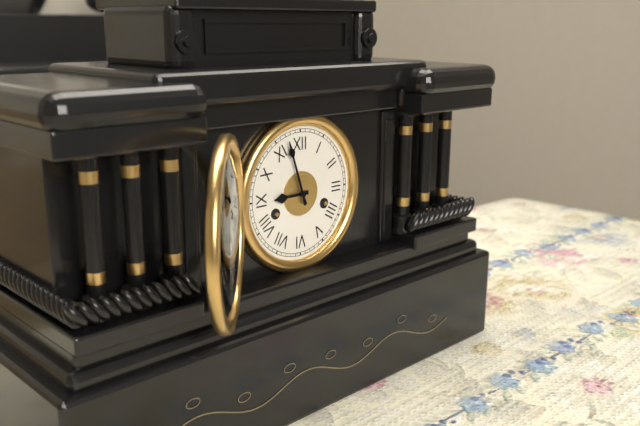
8:57
